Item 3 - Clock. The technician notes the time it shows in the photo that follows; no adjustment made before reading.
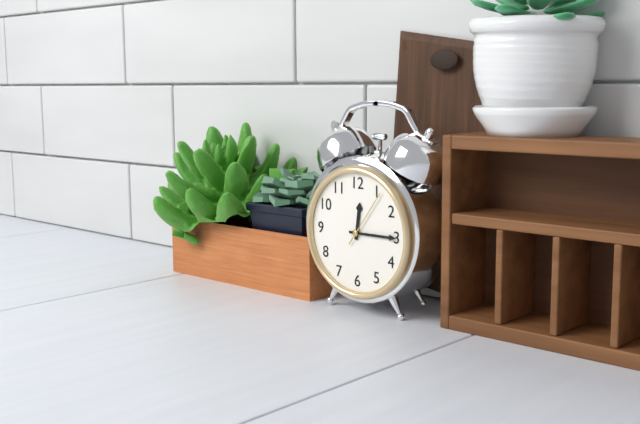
12:15:06
